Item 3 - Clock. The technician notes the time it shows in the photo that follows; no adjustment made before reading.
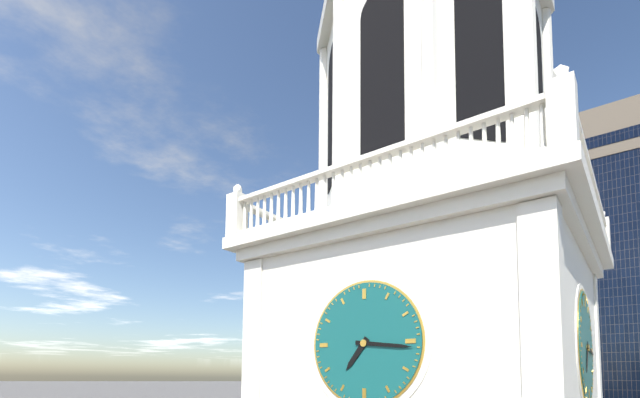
7:16
